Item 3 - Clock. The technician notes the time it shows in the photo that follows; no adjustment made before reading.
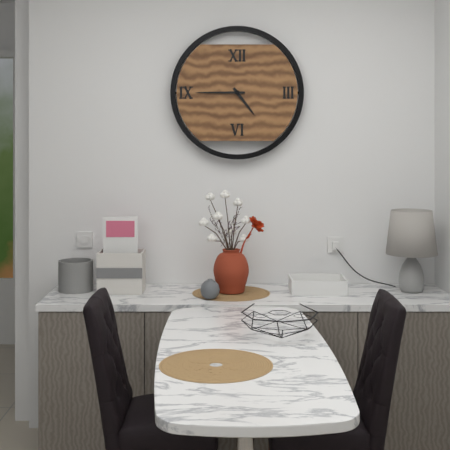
4:45
